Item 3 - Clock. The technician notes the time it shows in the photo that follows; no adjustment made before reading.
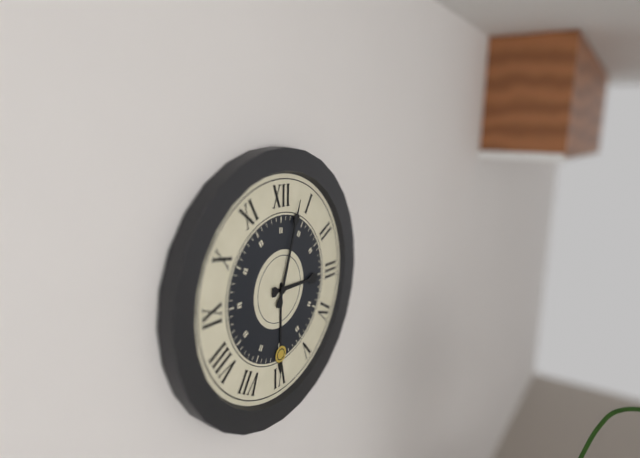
3:03
